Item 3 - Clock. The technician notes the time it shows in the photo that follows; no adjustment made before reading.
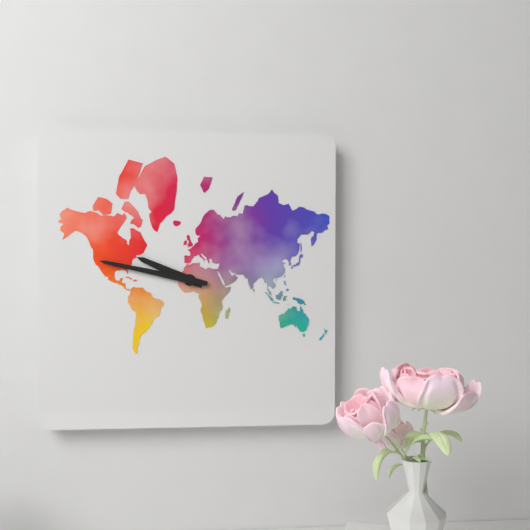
9:47
